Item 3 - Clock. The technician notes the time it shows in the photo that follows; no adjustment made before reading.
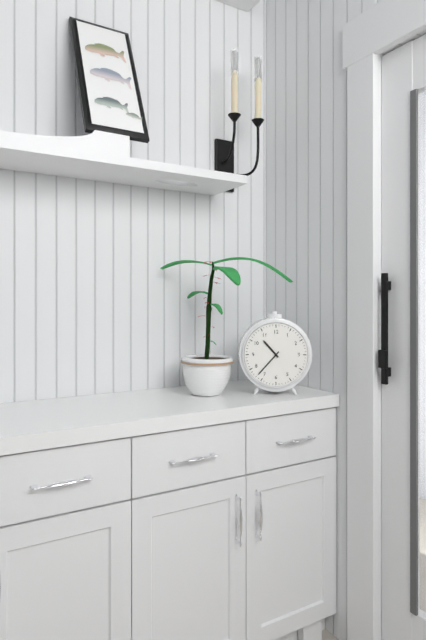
10:37
